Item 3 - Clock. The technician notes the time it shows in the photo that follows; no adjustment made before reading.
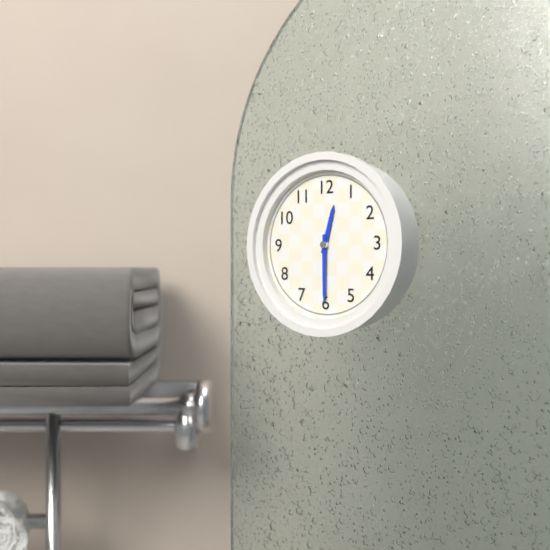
12:30
